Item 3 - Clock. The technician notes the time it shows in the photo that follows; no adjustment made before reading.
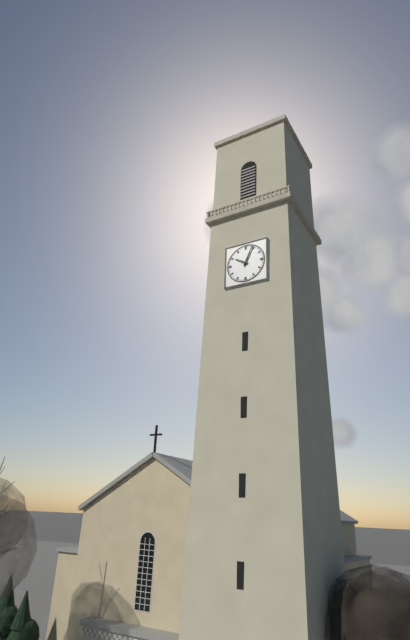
10:04
